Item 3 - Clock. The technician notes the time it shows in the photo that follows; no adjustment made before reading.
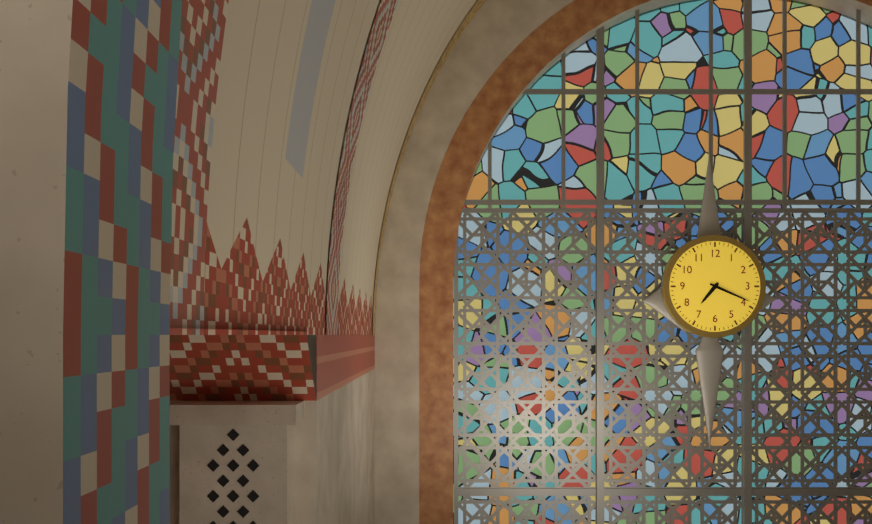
7:19
